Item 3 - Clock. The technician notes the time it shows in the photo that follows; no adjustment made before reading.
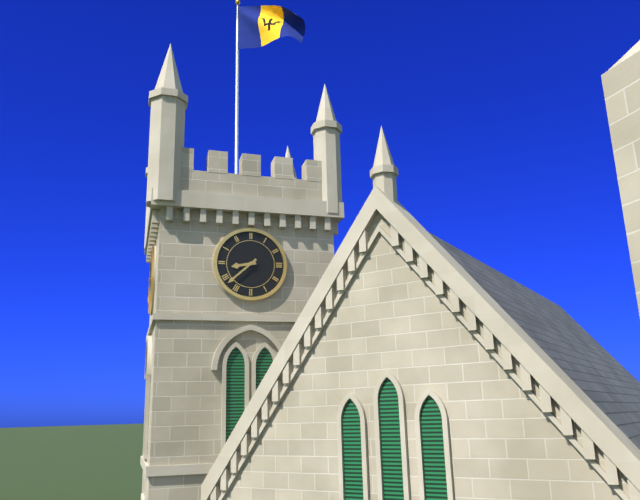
8:38
